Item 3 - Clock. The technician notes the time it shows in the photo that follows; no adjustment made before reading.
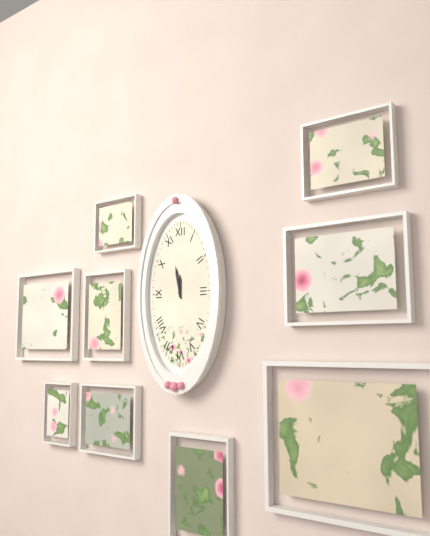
11:58
